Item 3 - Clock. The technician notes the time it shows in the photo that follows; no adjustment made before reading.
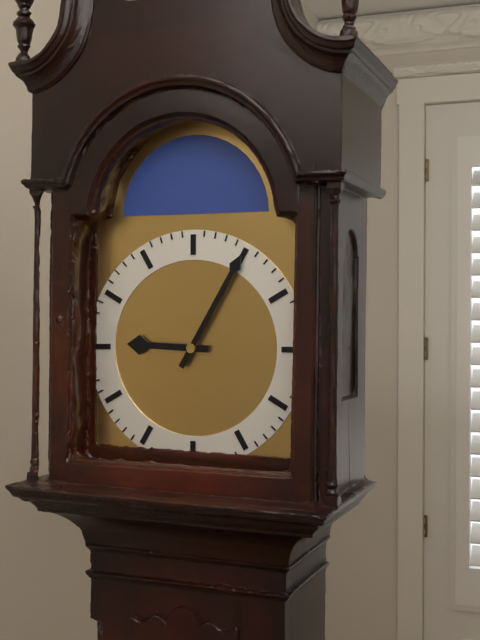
9:05
